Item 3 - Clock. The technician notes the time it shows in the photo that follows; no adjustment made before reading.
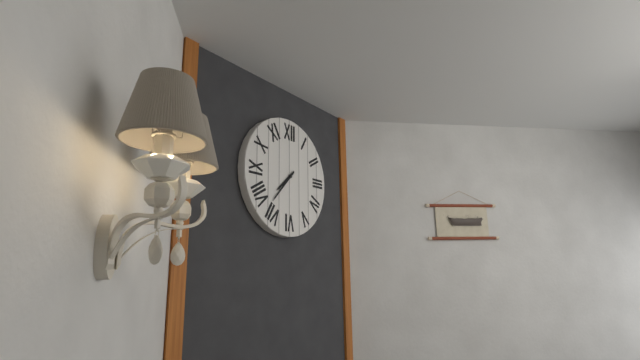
7:37
